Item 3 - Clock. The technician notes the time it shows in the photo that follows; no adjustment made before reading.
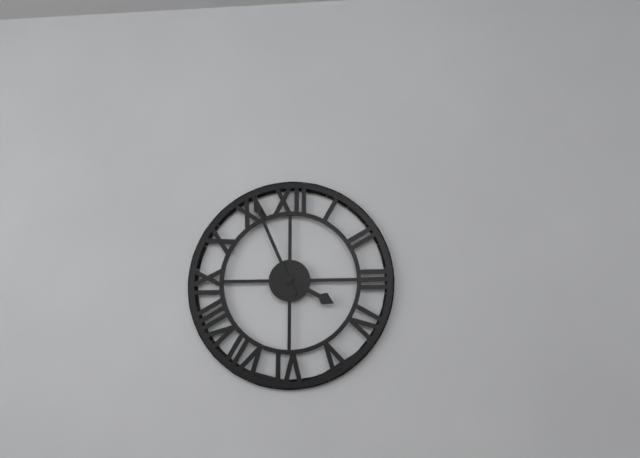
3:56
